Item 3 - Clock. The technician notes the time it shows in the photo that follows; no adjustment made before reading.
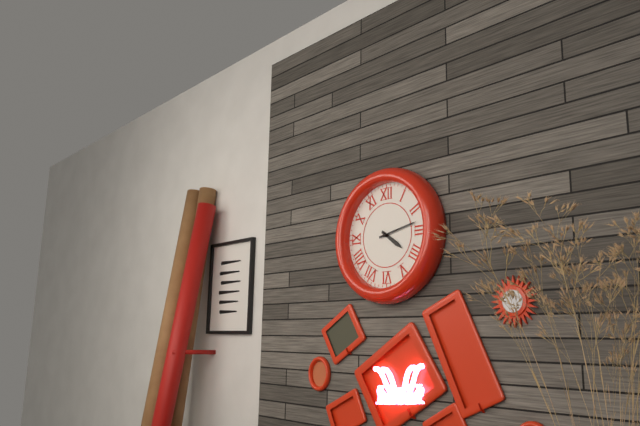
4:13
